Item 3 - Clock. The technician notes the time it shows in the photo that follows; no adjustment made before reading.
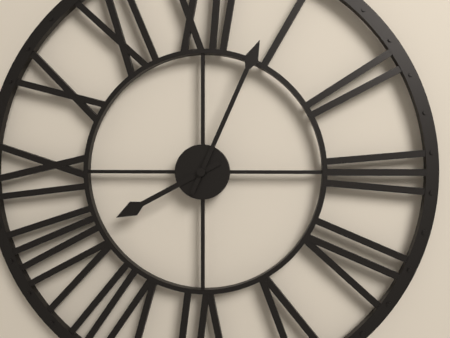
8:04
